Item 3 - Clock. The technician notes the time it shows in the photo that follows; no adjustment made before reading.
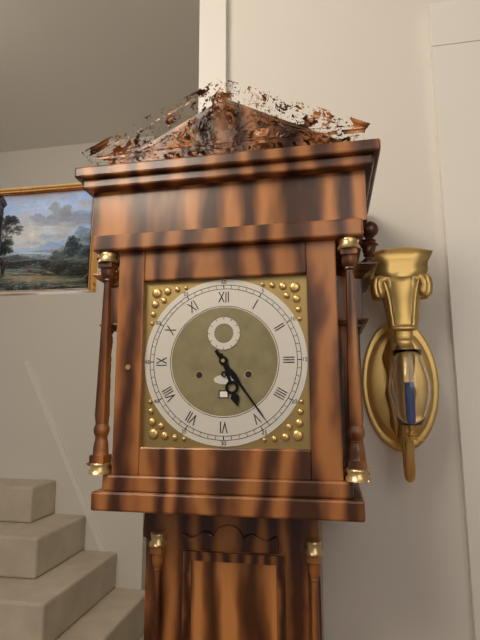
5:24
